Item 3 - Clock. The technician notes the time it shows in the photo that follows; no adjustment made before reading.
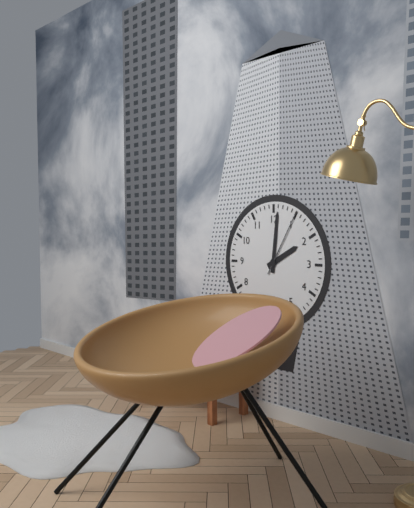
2:01:05
